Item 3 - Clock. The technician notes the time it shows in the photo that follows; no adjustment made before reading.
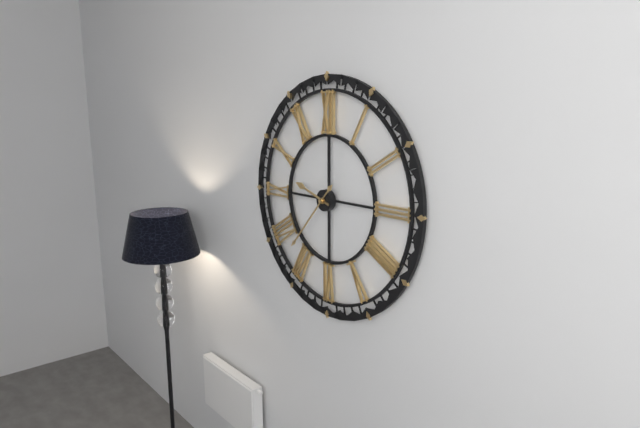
9:37
